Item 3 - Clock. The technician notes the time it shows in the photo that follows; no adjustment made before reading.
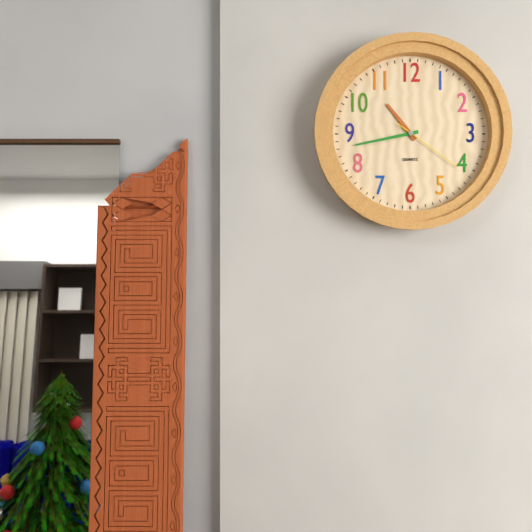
10:43:21
